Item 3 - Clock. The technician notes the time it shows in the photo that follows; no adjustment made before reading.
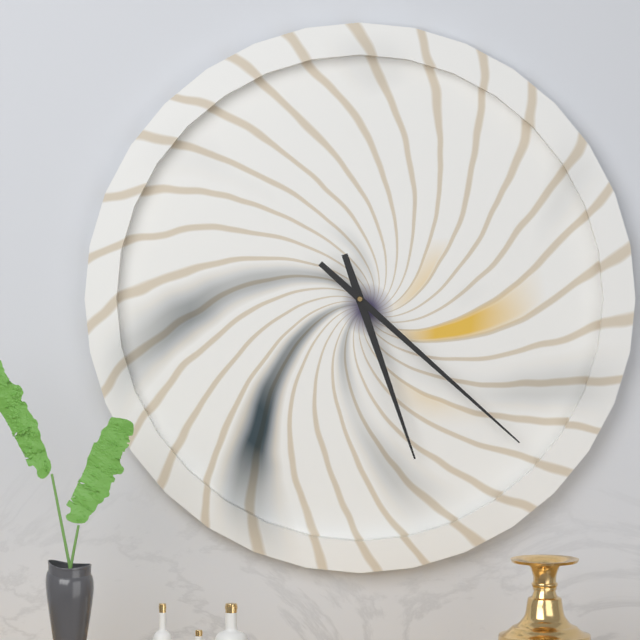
5:22
